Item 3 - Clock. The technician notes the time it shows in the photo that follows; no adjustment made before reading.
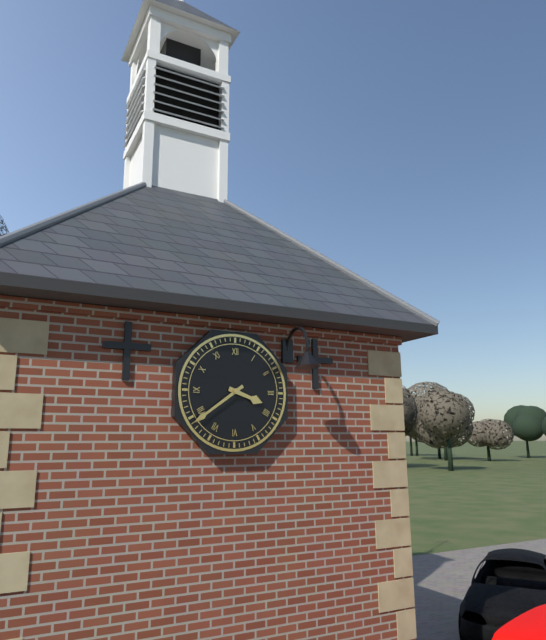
3:39
